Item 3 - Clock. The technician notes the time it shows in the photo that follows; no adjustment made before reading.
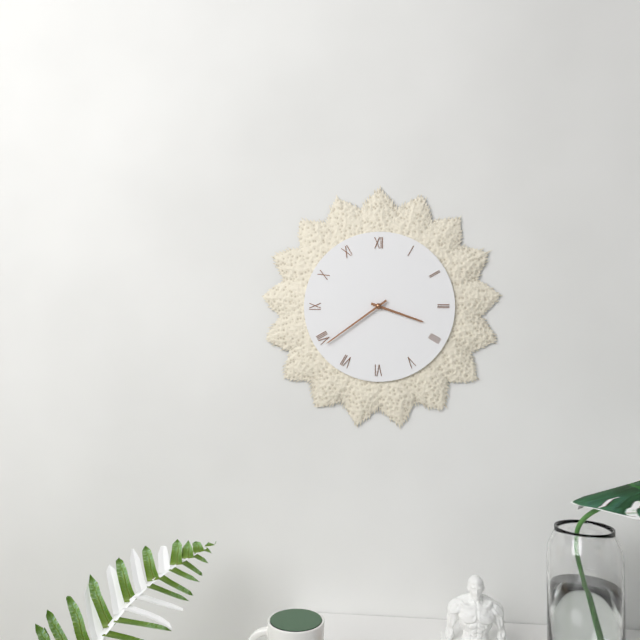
3:39
